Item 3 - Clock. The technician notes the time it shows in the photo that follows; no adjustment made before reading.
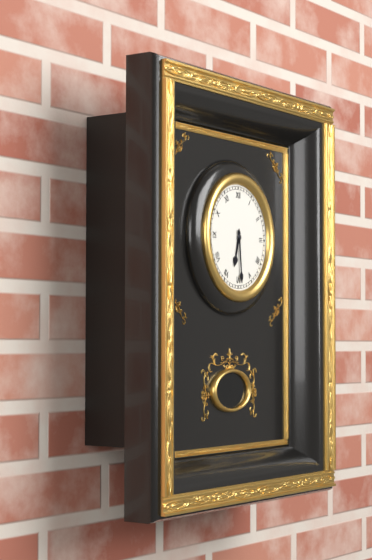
6:29
